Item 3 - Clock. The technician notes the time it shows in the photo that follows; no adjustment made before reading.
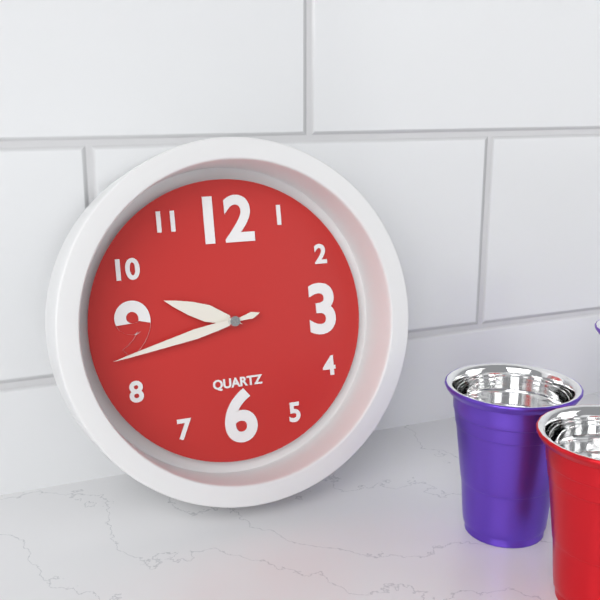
9:43
